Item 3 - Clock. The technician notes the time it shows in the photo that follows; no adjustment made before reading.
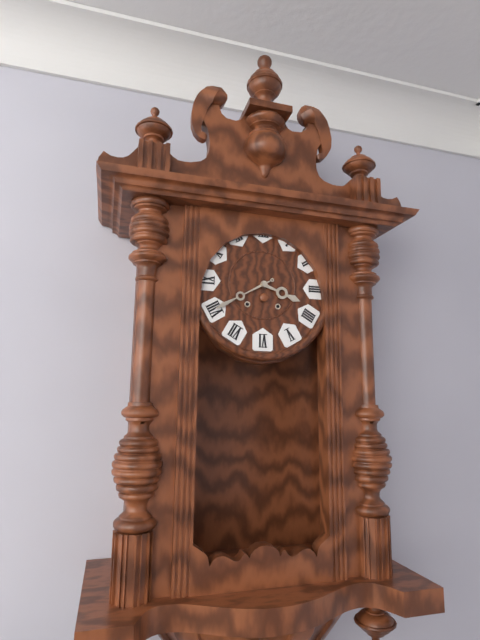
3:40
